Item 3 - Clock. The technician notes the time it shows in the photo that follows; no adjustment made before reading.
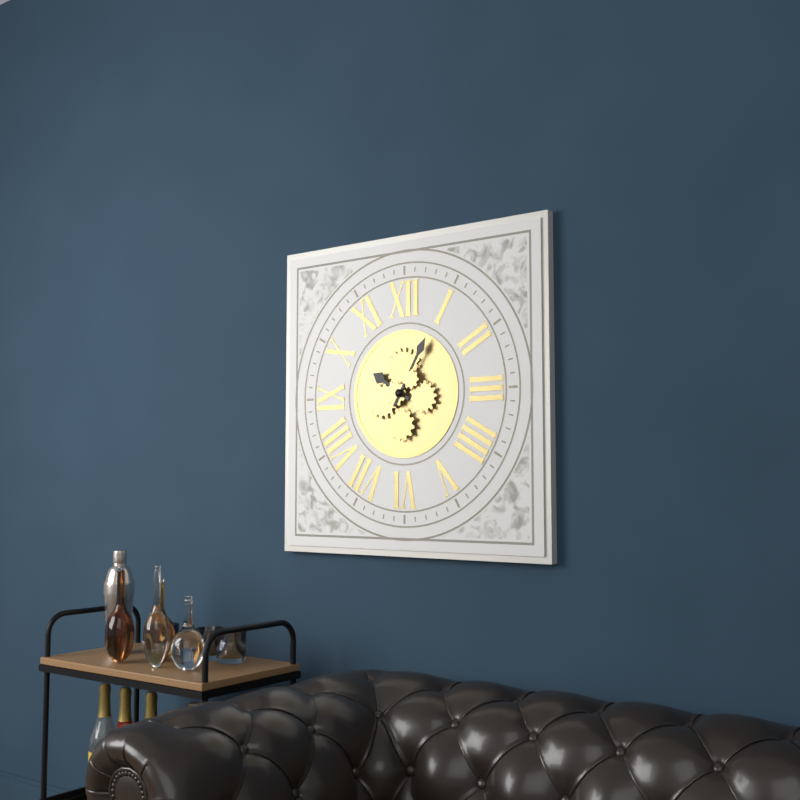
10:05
